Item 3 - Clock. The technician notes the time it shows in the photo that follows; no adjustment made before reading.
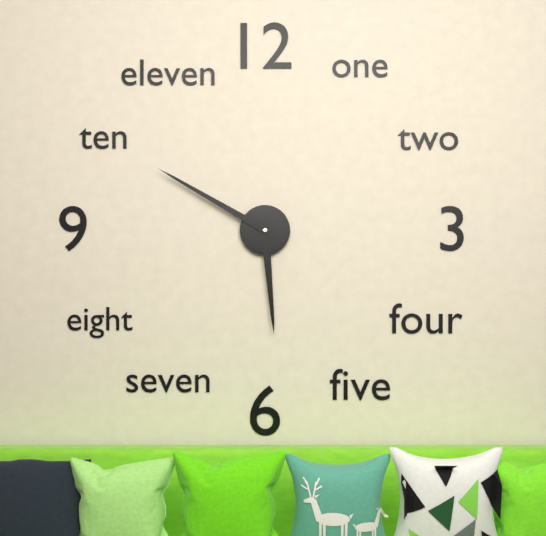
5:50
